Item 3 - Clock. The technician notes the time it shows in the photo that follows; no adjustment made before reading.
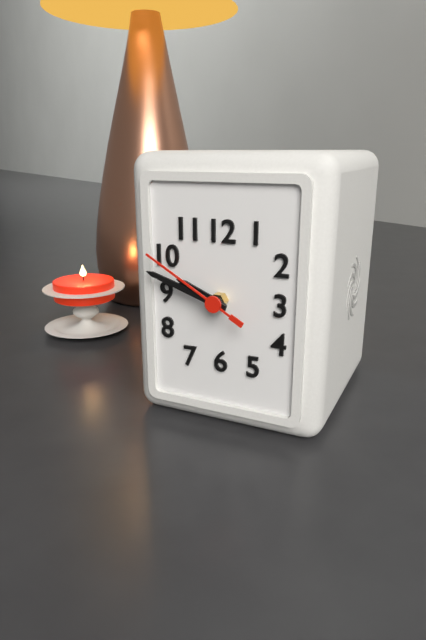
9:48:50
